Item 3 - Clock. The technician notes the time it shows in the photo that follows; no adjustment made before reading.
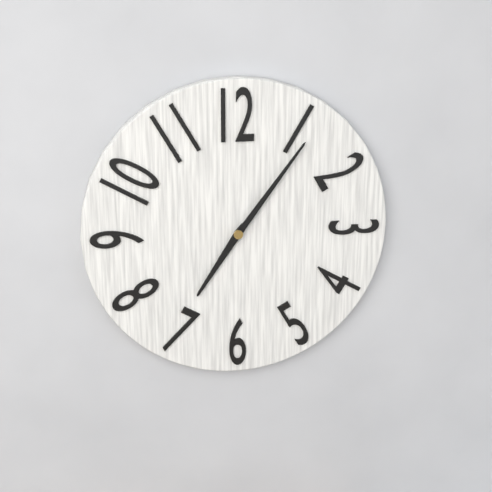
7:06
